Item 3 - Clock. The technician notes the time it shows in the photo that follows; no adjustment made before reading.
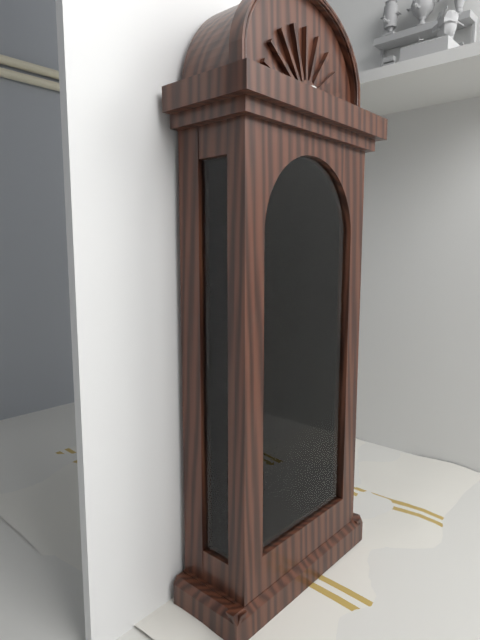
9:51
